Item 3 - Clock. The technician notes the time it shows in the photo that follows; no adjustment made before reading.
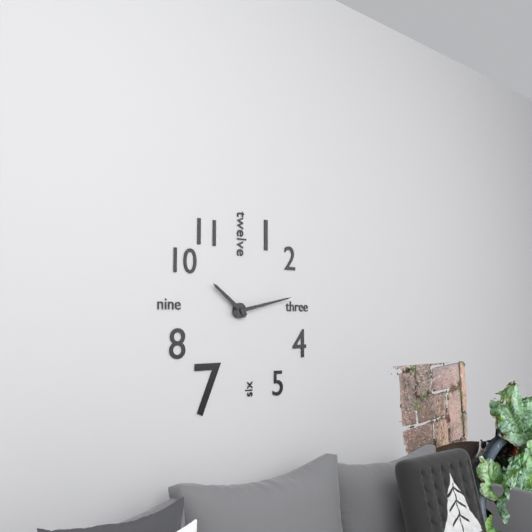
10:13
